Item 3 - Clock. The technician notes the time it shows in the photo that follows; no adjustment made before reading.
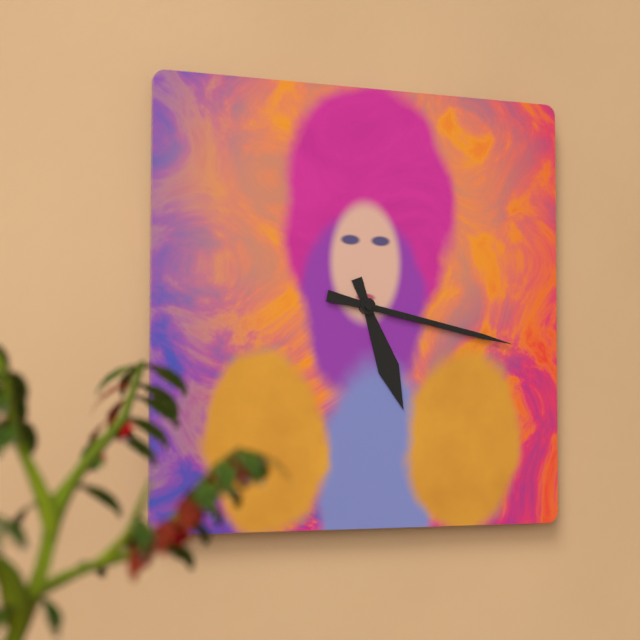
5:17
